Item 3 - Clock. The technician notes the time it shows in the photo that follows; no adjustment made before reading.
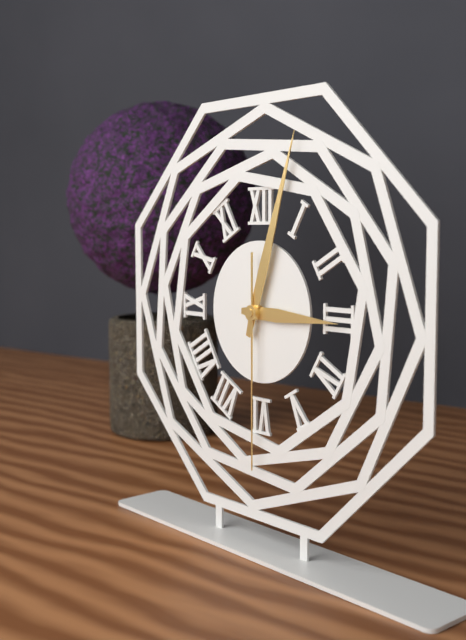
3:03:30
